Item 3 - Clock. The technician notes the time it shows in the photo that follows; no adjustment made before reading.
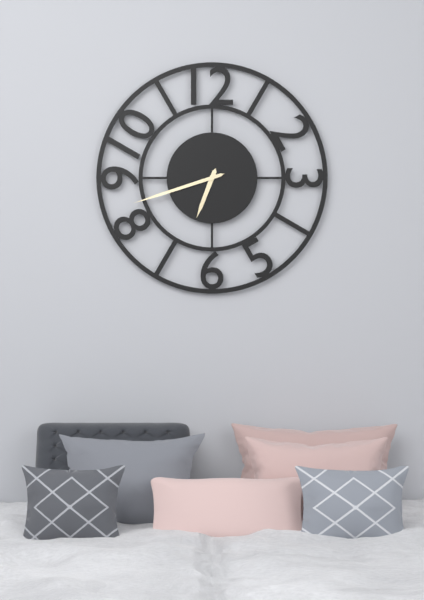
6:42
